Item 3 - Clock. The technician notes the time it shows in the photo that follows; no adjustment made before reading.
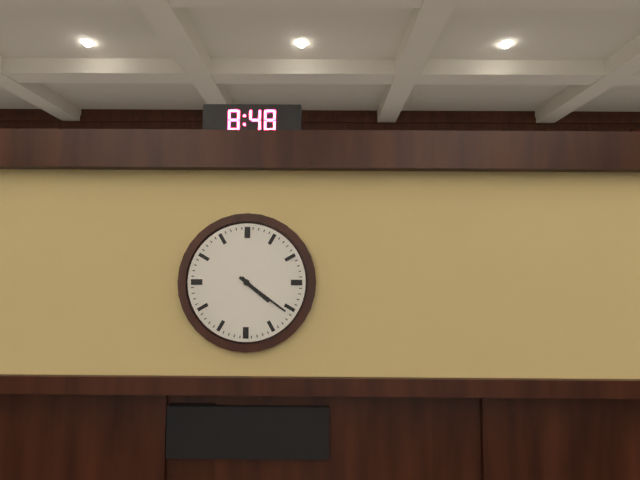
4:21
